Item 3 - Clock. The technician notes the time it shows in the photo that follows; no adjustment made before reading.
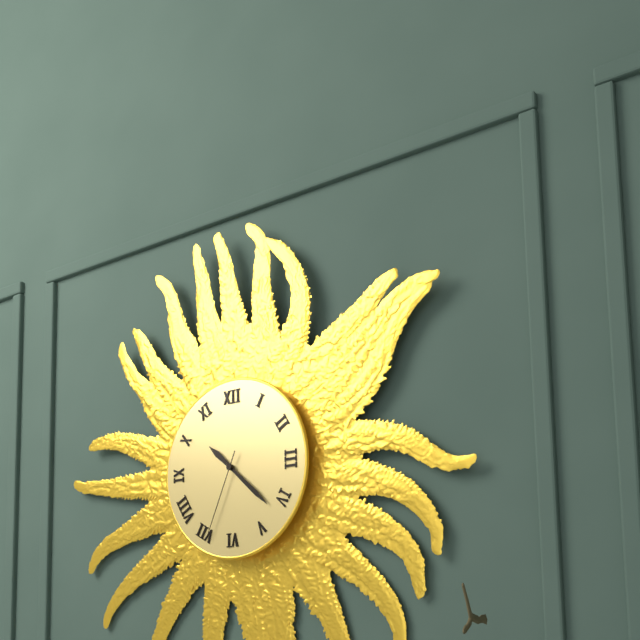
10:22:34
